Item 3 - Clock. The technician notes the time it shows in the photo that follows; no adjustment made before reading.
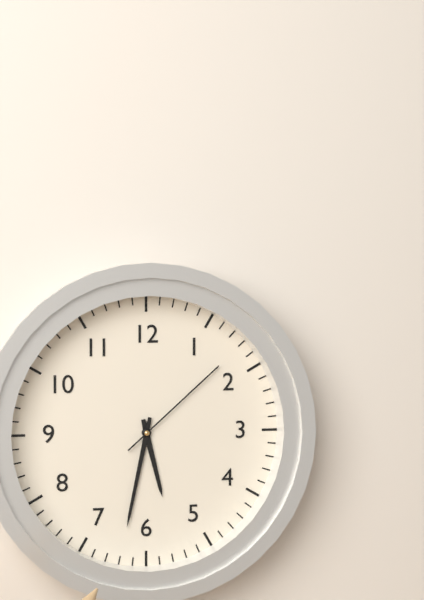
5:32:08
